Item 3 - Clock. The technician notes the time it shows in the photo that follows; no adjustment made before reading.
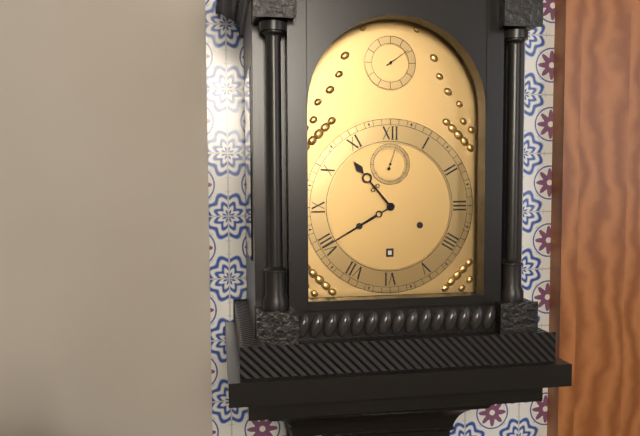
10:40
